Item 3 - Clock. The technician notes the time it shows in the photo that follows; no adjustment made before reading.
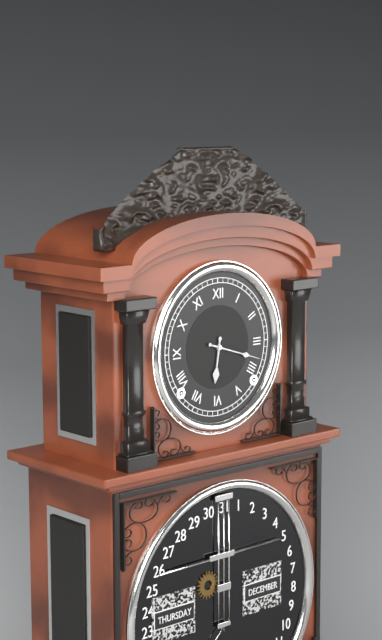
6:18
